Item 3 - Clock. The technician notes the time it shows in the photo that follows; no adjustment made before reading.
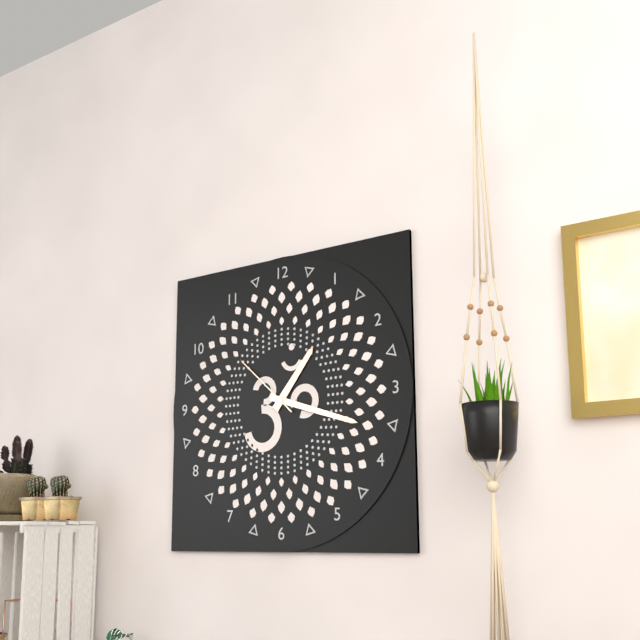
1:18:52
